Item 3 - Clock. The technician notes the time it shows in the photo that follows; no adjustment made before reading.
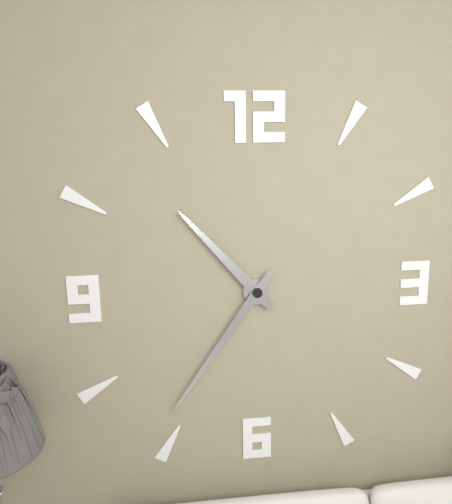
10:36
